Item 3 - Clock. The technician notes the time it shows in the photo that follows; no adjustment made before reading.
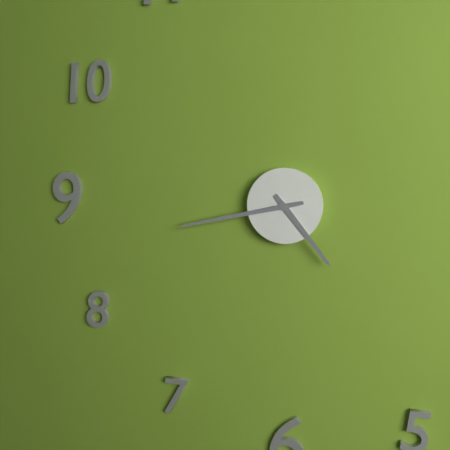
4:43
